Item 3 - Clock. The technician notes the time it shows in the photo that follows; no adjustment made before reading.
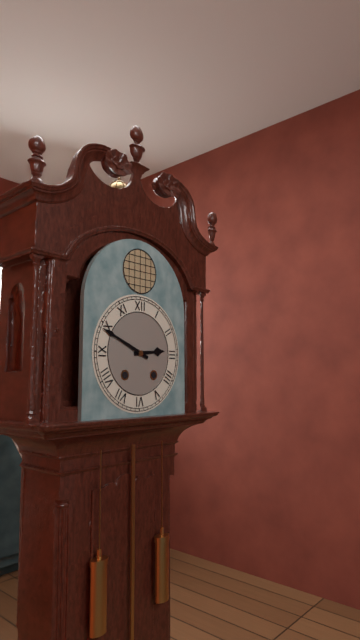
2:49
